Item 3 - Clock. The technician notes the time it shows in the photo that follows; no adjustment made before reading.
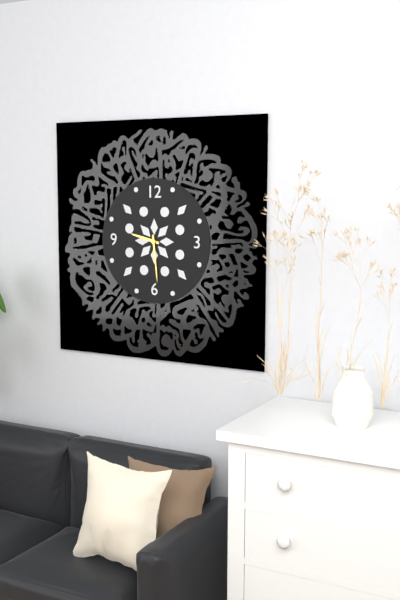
9:29
